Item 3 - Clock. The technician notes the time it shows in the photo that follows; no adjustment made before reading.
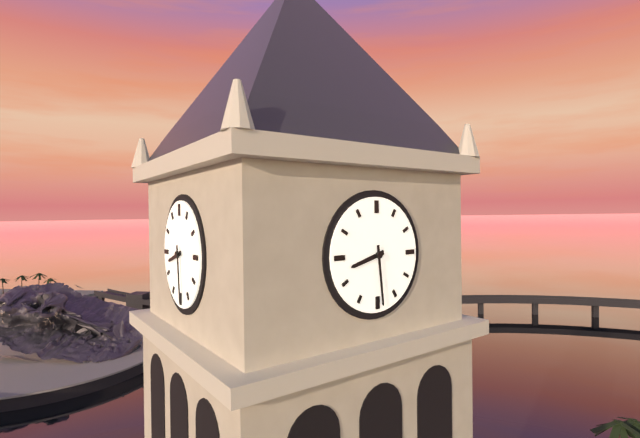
8:29
